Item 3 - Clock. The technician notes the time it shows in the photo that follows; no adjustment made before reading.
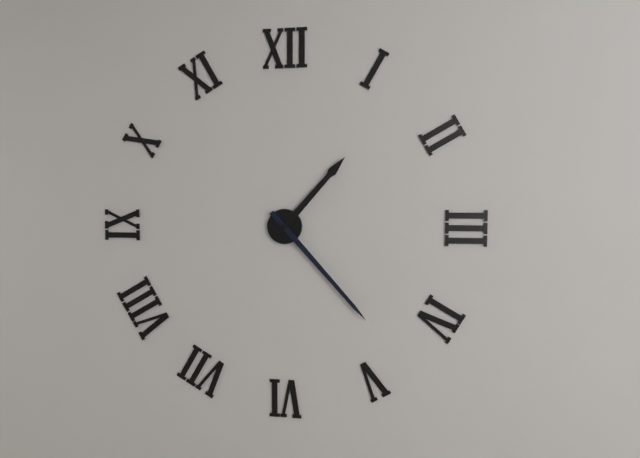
1:23
